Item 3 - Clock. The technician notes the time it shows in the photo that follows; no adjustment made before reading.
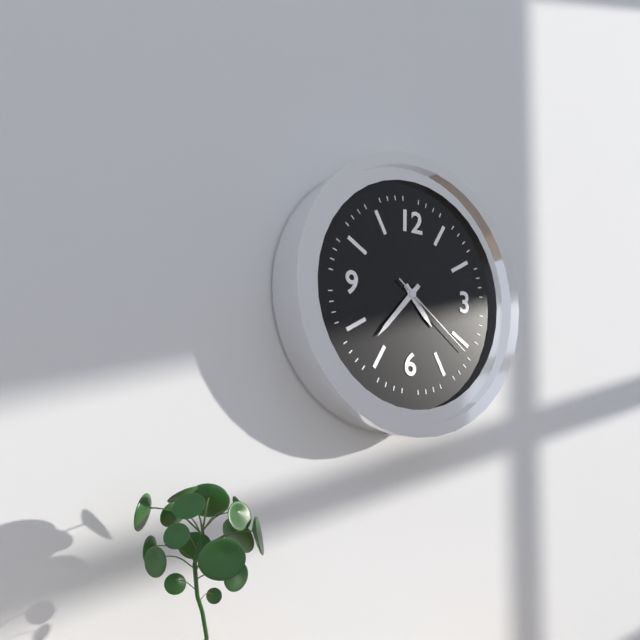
4:37:21
